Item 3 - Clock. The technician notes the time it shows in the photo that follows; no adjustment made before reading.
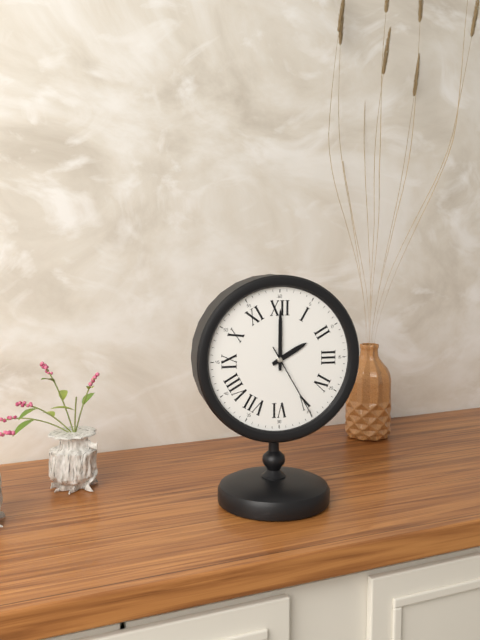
2:00:25
